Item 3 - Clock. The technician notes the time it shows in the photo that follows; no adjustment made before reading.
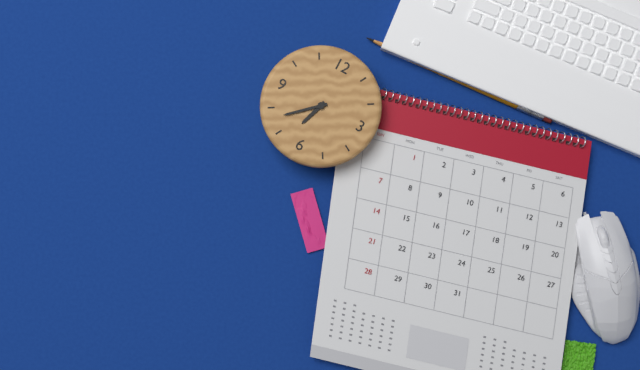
6:38
